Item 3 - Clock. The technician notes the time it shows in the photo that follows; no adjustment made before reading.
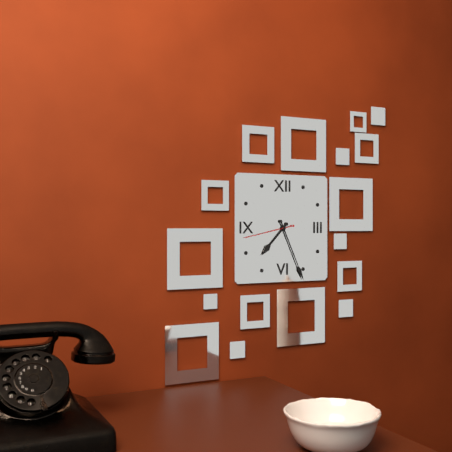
7:26
